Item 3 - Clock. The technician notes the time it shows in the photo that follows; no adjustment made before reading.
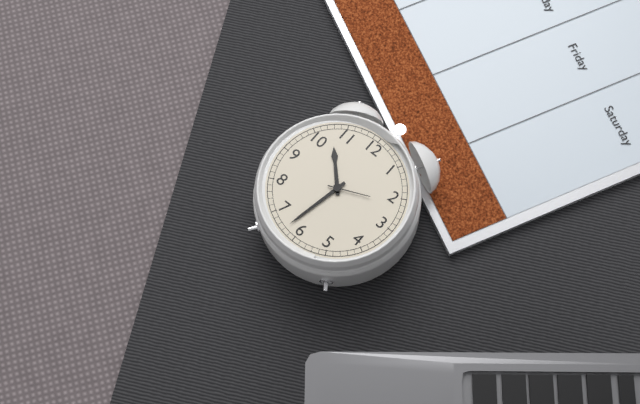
10:32
